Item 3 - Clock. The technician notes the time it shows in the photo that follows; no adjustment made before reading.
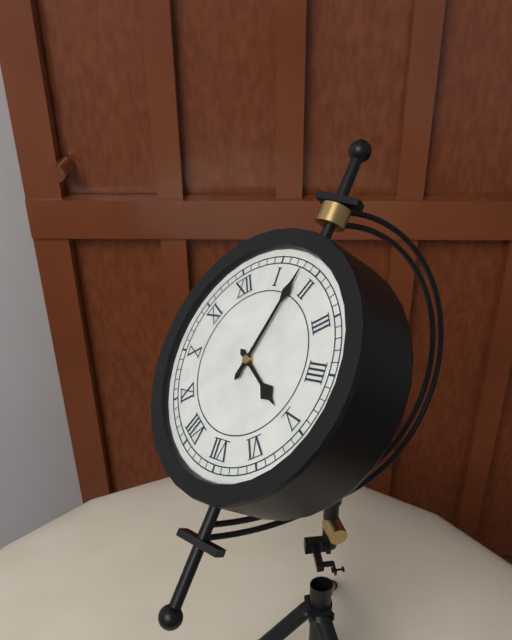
5:08
